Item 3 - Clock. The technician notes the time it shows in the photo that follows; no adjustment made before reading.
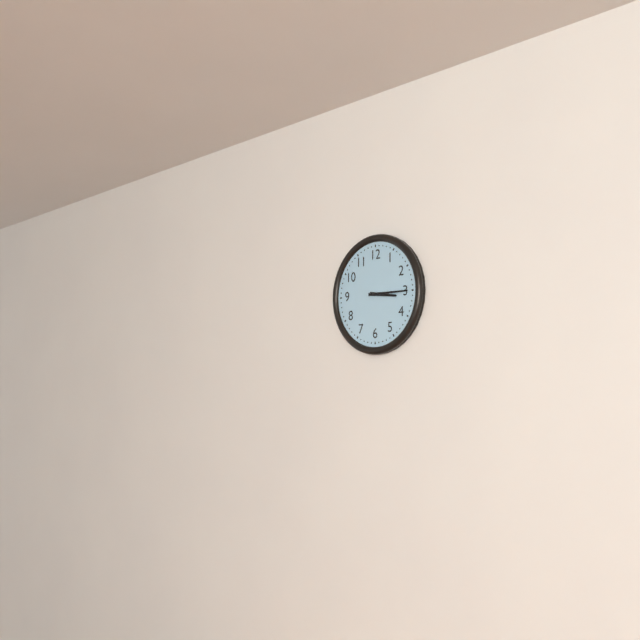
3:15
